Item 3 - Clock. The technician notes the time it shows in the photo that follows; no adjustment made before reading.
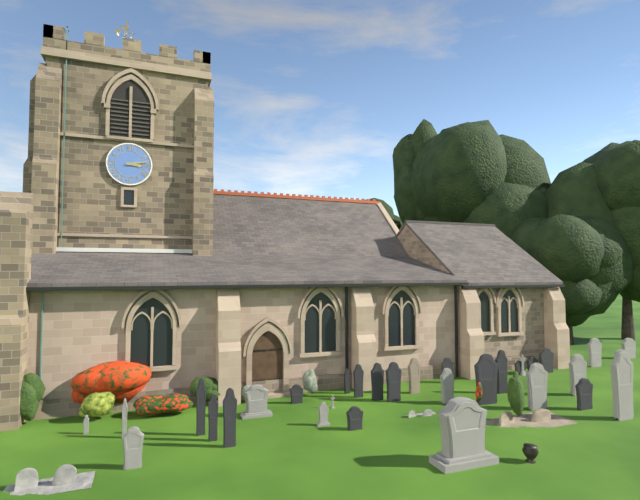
3:13
